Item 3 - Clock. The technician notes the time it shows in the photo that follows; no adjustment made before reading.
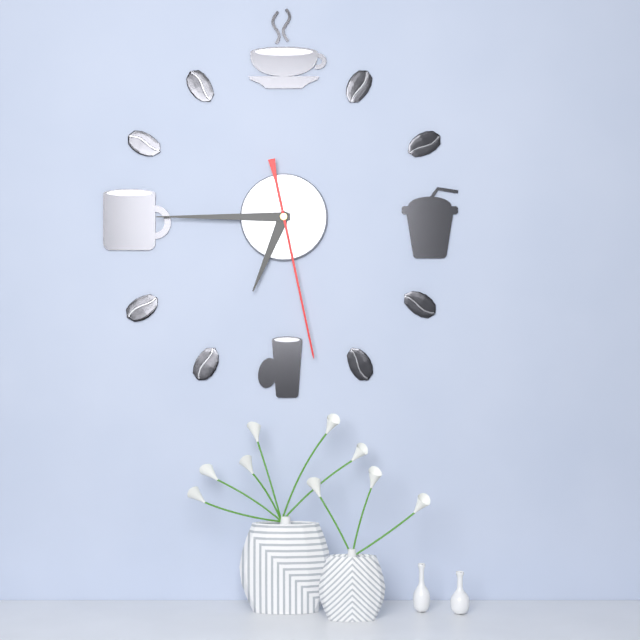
6:45:28
